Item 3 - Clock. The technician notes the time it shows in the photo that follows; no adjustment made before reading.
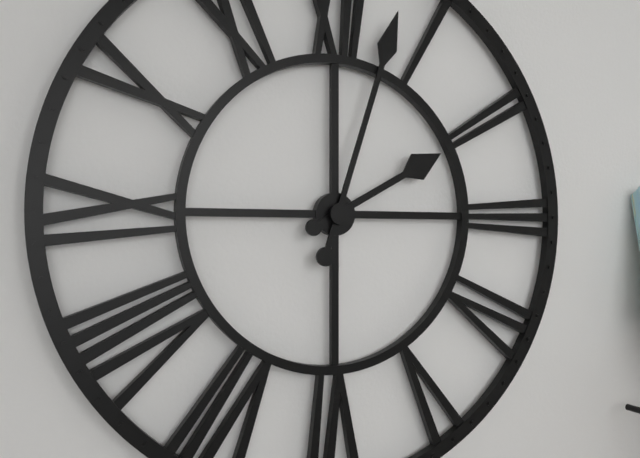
2:03
